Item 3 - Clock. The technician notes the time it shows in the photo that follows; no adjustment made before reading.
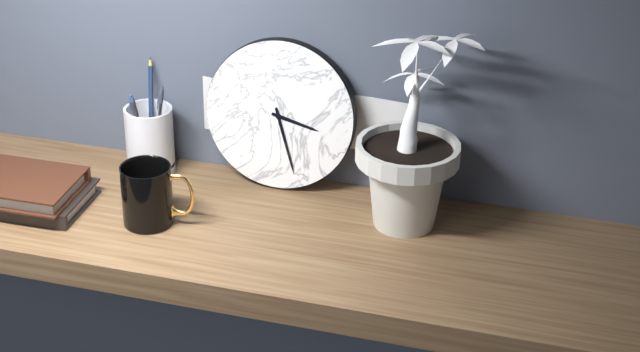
3:27
